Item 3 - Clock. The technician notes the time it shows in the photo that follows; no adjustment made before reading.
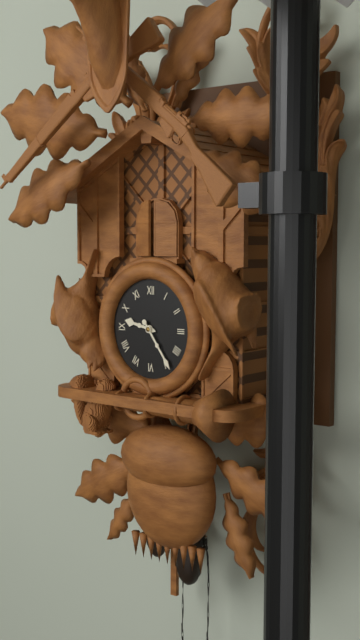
9:24
